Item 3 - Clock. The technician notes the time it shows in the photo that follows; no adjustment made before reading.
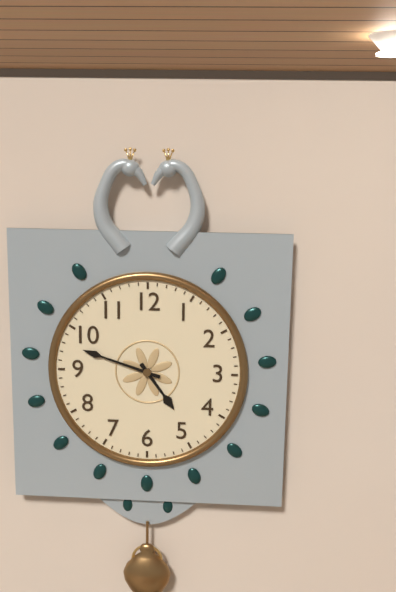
4:48
